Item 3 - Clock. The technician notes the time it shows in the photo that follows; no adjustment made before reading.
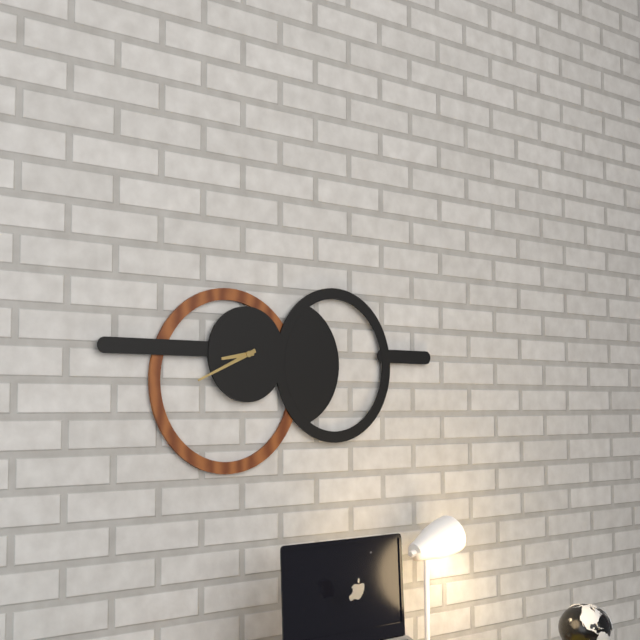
8:41
